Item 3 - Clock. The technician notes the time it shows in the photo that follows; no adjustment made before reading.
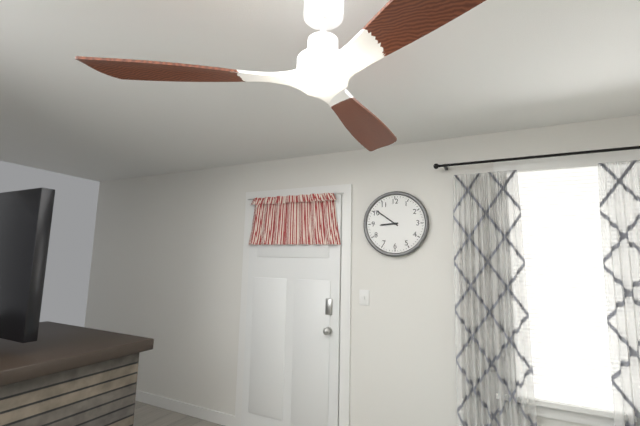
8:51
